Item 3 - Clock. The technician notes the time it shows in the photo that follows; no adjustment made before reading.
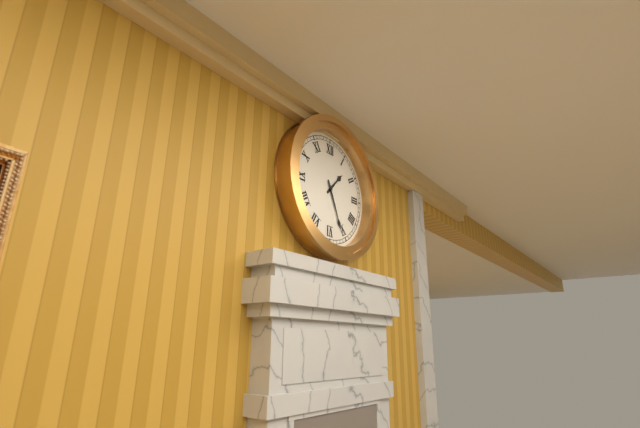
1:26
